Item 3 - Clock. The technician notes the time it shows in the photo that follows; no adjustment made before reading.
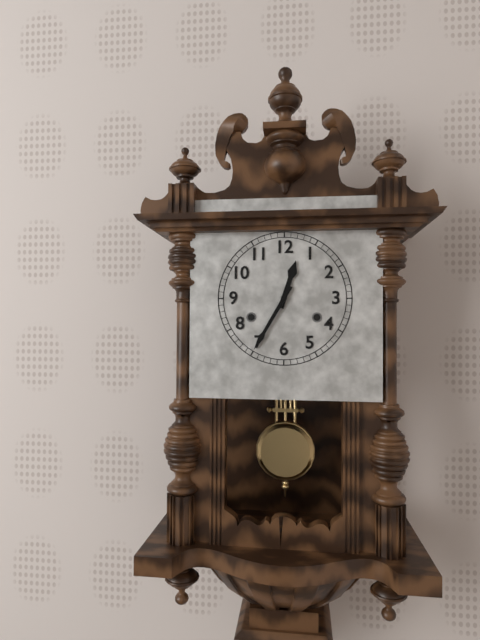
12:35
